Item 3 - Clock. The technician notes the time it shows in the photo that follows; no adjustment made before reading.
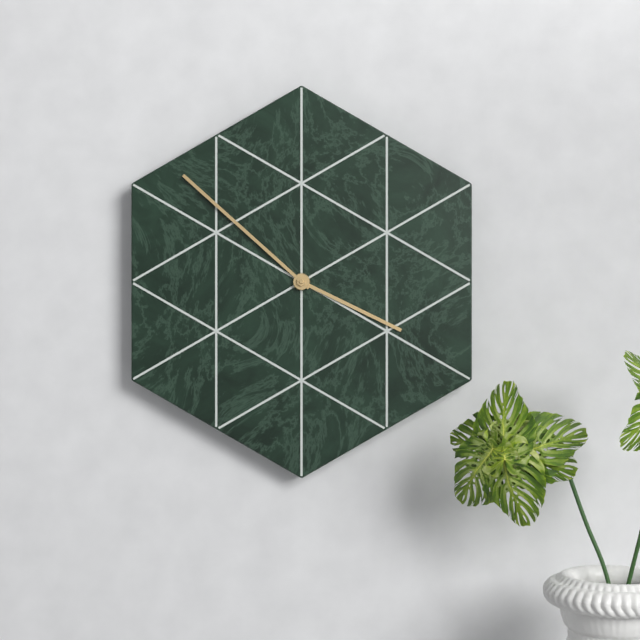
3:52
